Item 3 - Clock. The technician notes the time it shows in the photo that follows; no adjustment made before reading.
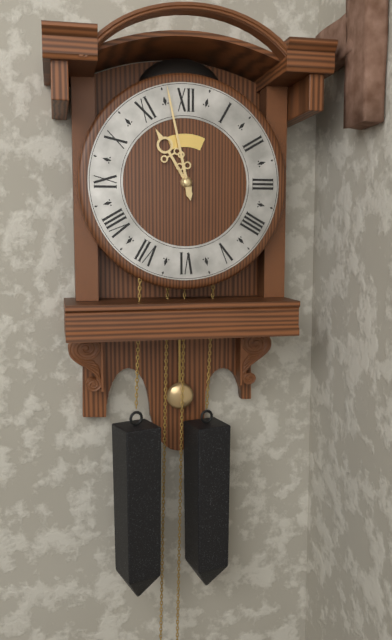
10:58
